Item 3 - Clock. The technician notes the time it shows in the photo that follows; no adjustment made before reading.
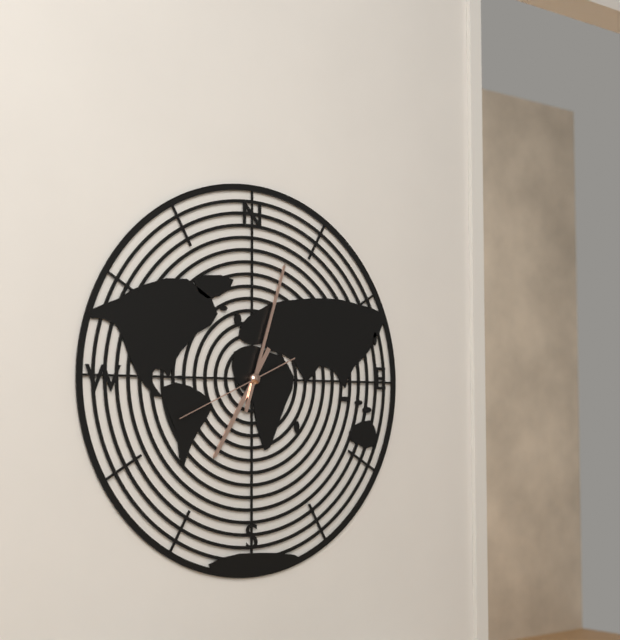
7:03:41
